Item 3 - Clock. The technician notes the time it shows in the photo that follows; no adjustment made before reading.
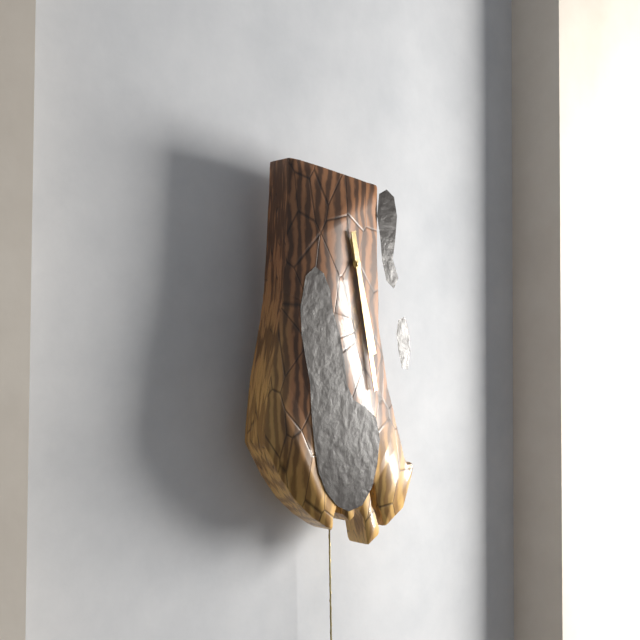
5:28
